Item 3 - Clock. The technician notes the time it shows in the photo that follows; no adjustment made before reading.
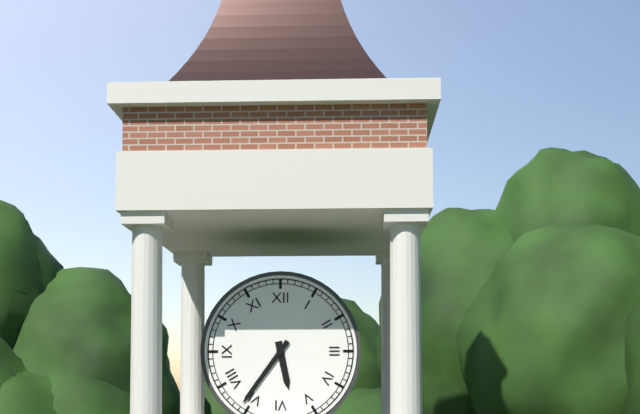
5:36
